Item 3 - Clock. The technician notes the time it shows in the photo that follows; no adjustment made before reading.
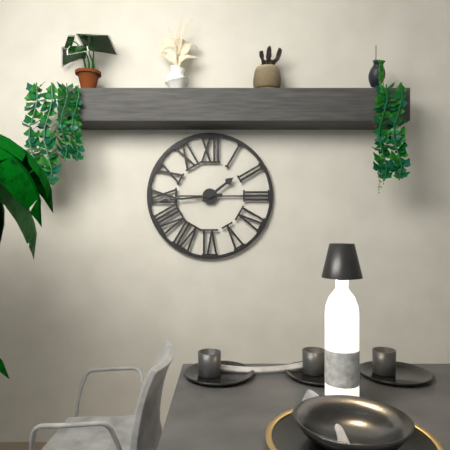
1:44
